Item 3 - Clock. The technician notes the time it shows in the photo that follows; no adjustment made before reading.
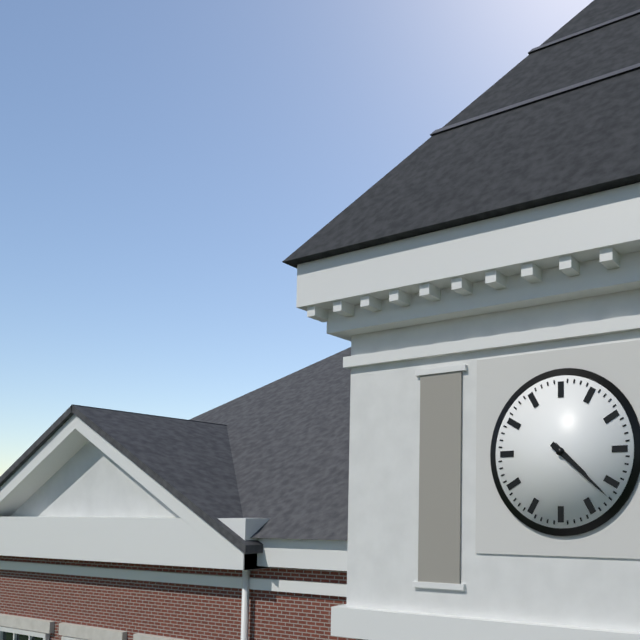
4:22
